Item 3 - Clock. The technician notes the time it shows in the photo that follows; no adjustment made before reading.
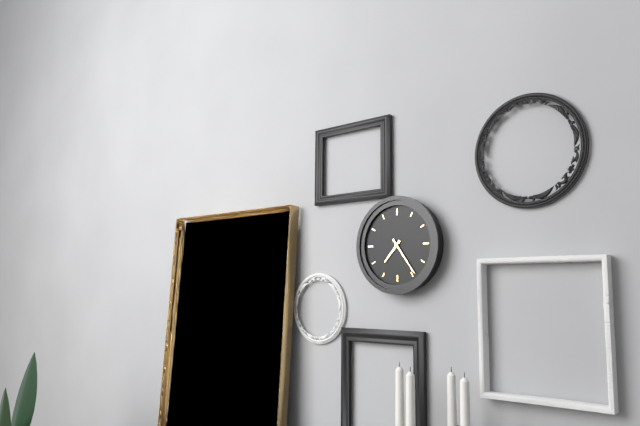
7:24
